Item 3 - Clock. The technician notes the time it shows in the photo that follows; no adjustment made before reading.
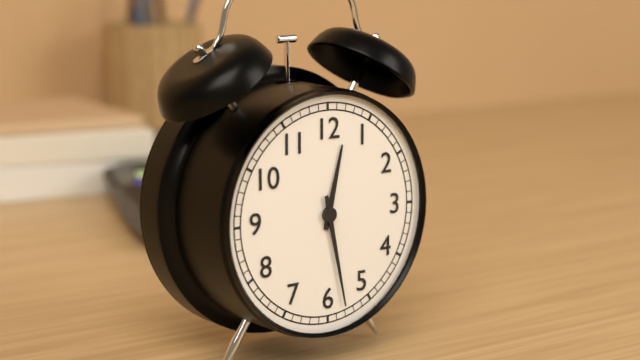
12:28
